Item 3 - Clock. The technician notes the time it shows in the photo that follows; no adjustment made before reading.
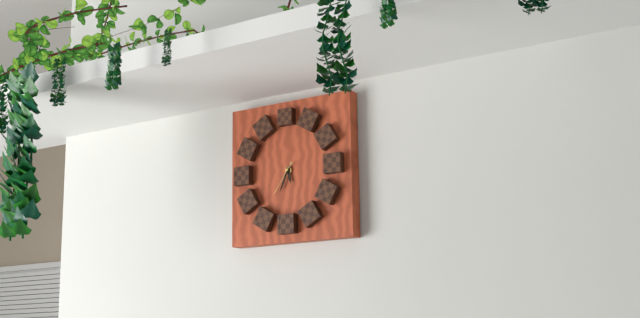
5:34
